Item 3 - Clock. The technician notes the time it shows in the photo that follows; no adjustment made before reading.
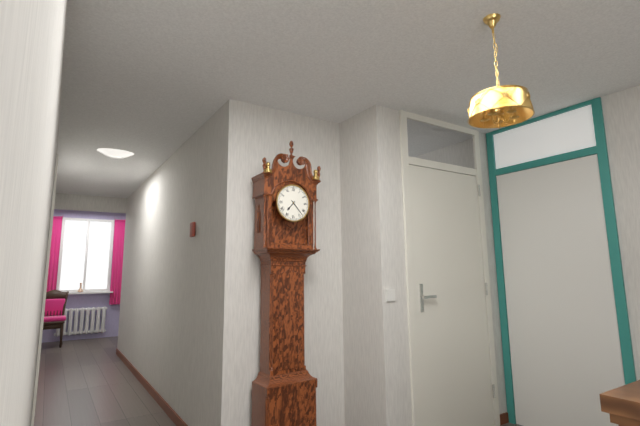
7:23
